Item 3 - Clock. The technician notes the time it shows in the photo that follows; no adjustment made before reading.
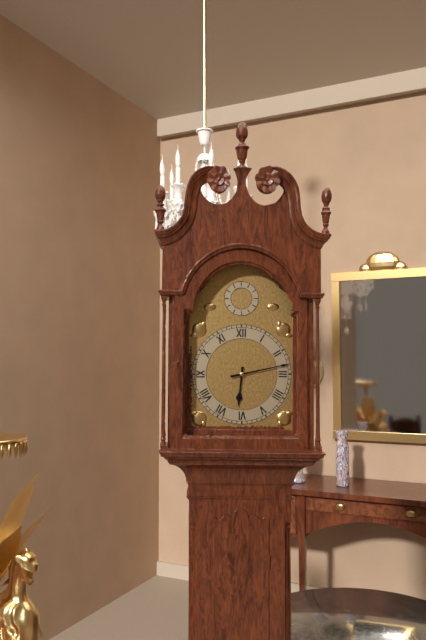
6:13
